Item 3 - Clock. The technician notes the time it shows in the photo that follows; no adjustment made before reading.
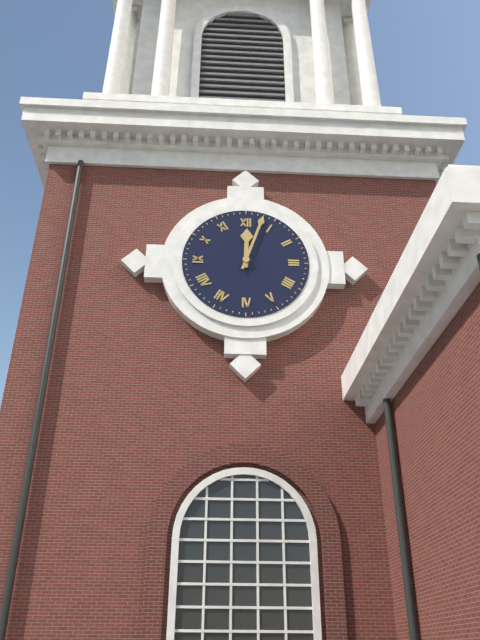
12:03
